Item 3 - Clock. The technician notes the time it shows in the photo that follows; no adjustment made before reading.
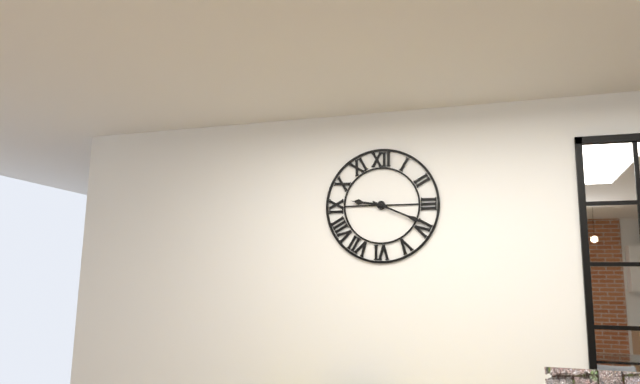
9:19
